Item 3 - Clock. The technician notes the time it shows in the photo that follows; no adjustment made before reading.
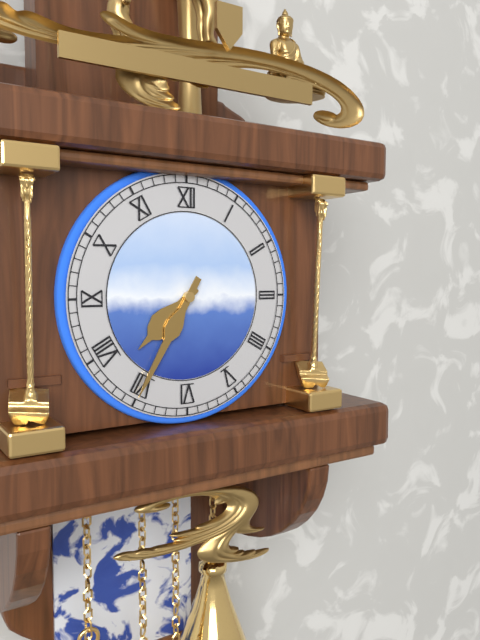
7:35
